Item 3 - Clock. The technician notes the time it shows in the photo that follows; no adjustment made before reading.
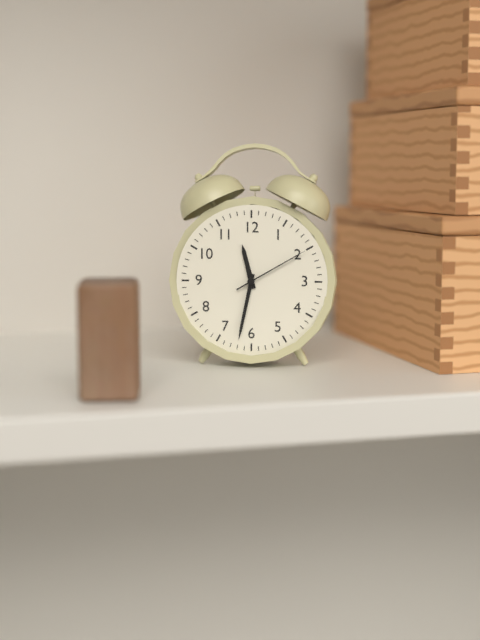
11:32:10
